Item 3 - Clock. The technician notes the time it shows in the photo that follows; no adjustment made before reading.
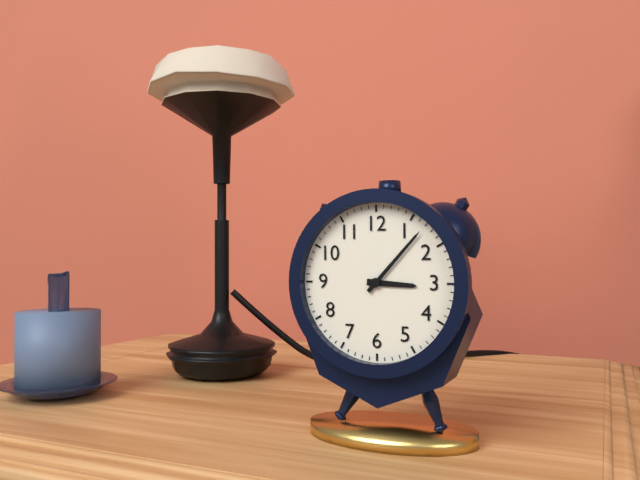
3:07
